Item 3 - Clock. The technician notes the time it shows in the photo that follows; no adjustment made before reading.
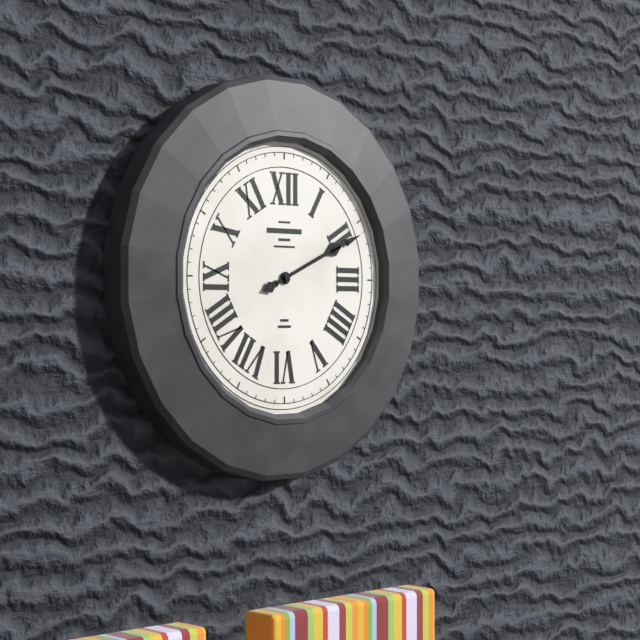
2:11
